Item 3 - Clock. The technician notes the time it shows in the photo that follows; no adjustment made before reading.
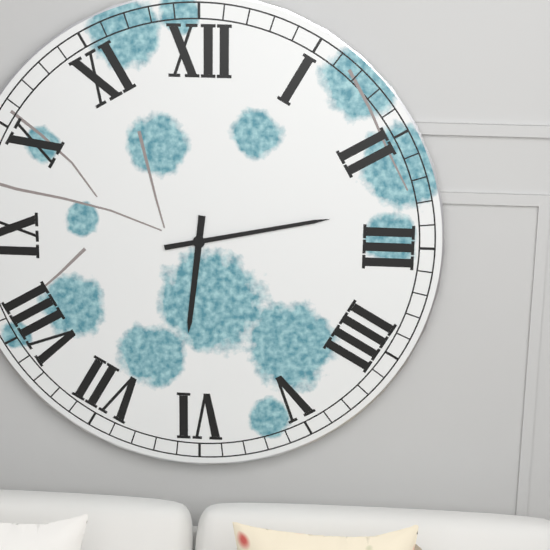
6:13
